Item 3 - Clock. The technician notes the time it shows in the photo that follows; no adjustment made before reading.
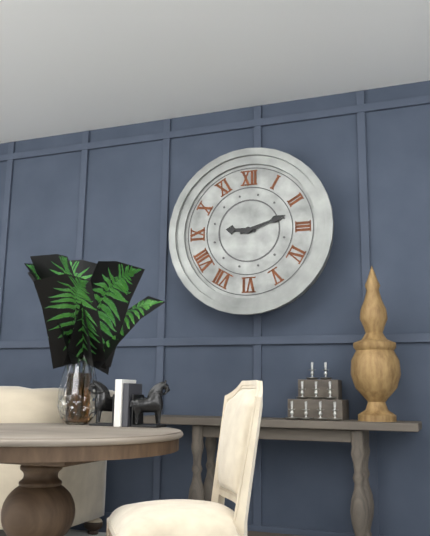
9:12
